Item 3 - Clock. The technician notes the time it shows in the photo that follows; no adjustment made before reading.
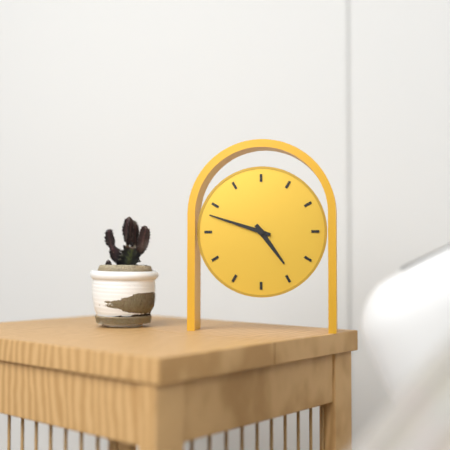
4:48
